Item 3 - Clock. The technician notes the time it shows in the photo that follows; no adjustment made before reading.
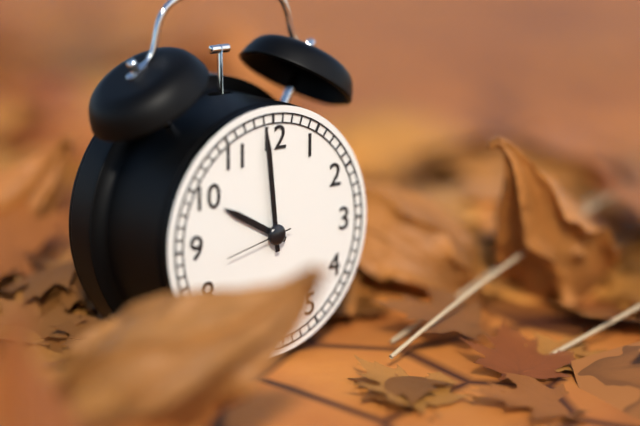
9:59:43
